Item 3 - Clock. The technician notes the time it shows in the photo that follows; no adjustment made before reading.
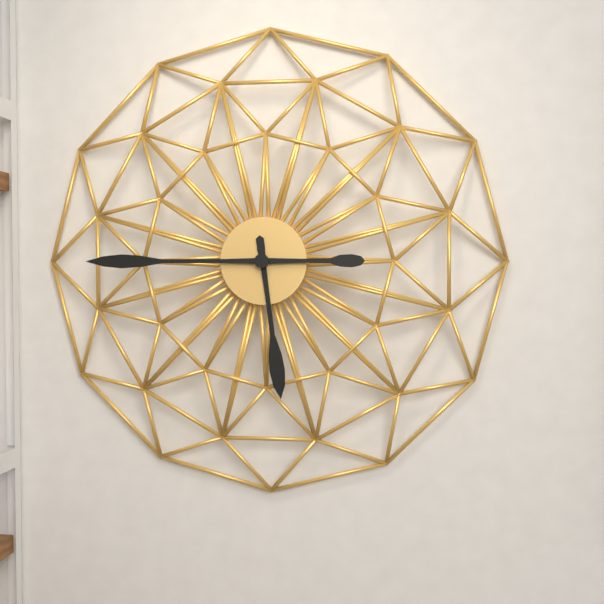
5:45
